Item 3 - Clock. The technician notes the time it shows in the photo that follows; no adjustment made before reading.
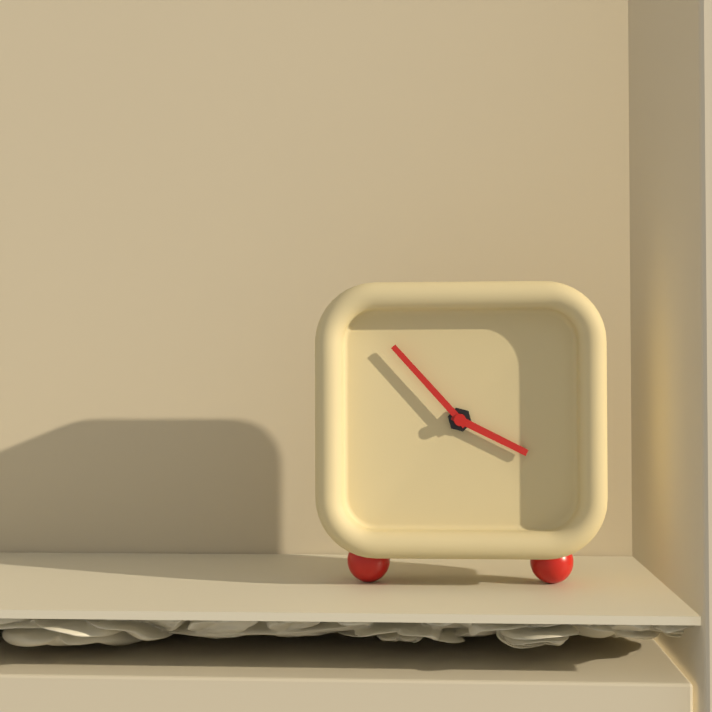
3:53
